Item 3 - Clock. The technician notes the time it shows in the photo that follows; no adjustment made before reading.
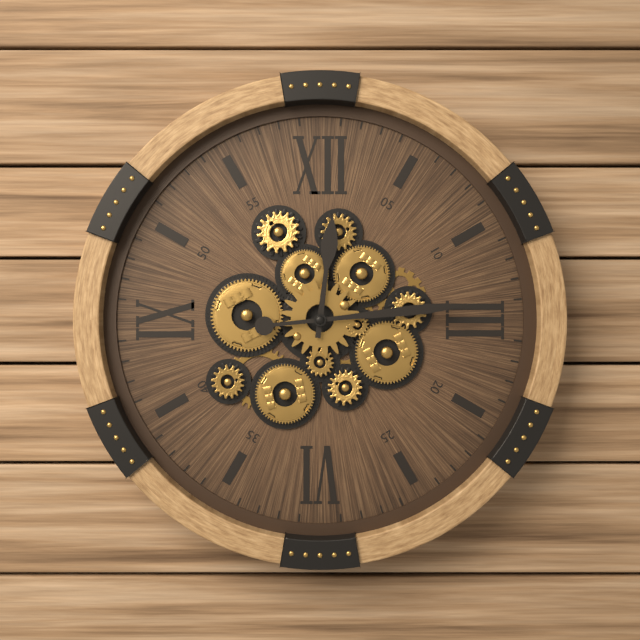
12:14
